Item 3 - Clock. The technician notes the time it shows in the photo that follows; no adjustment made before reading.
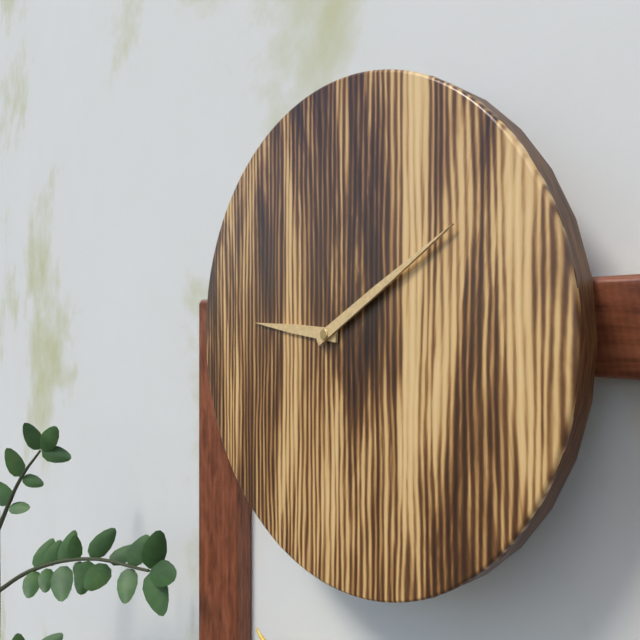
9:10
